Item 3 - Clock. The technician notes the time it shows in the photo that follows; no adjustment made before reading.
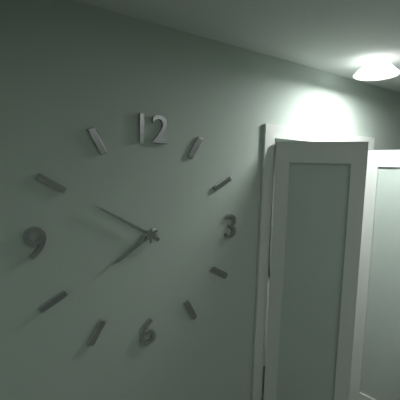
7:50
